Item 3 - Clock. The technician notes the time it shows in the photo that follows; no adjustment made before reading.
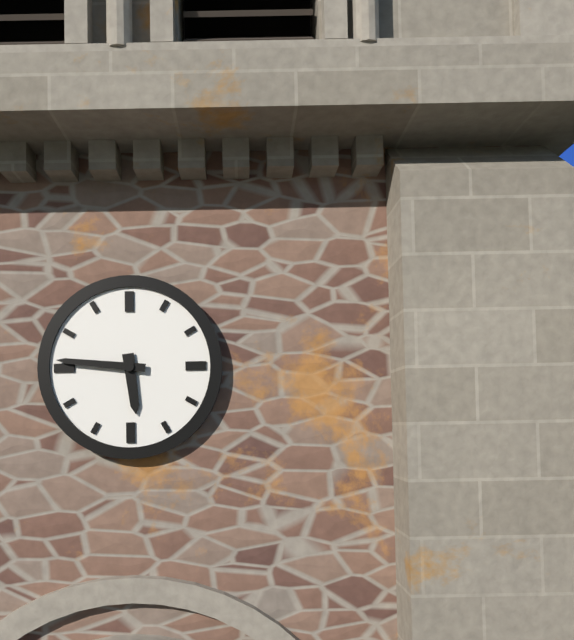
5:46
